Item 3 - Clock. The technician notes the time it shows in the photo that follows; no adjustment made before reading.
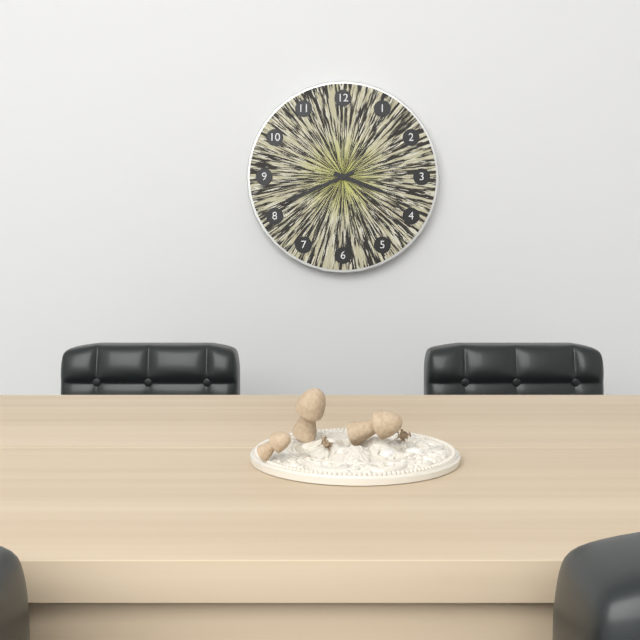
3:41
